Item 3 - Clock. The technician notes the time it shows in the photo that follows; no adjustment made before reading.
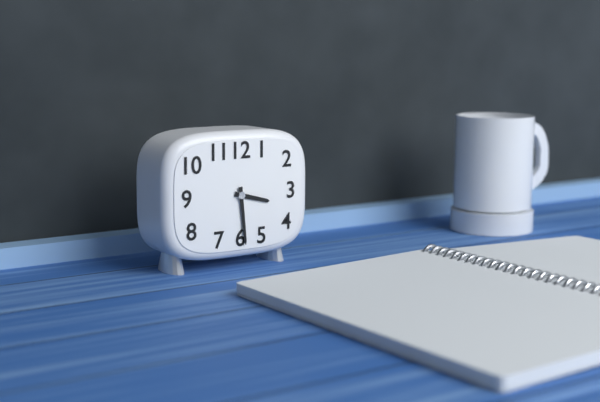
3:29
